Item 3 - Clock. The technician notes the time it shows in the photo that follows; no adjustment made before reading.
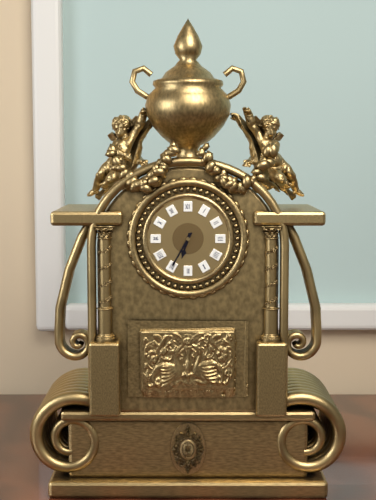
6:35
